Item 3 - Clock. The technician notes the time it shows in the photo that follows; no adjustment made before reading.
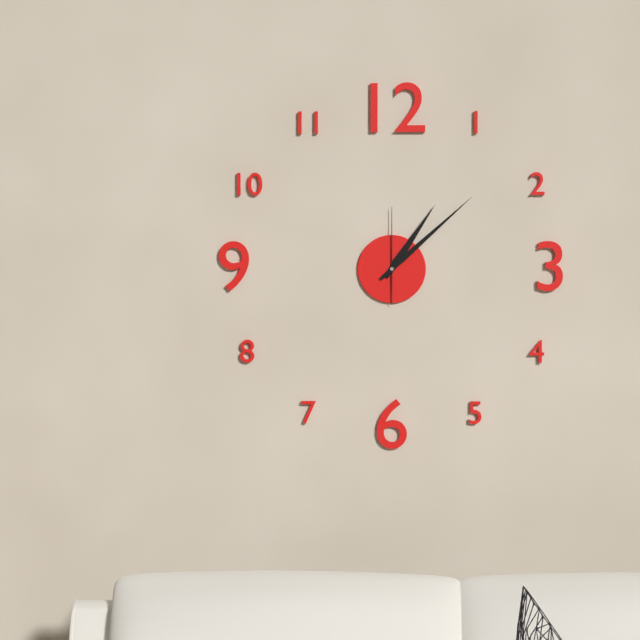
1:08:00
